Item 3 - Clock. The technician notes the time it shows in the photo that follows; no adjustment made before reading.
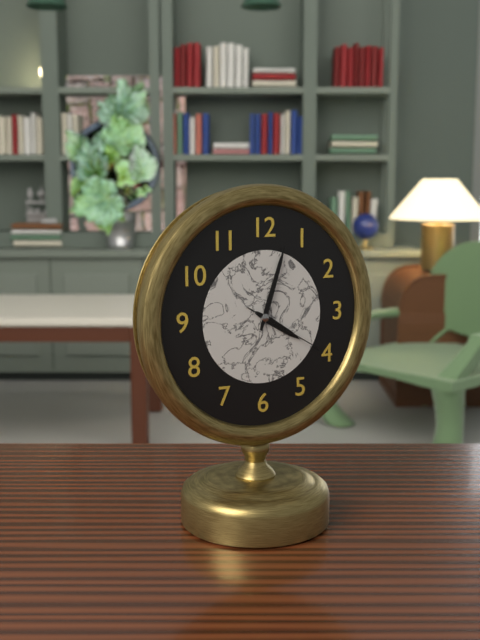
4:03:20
